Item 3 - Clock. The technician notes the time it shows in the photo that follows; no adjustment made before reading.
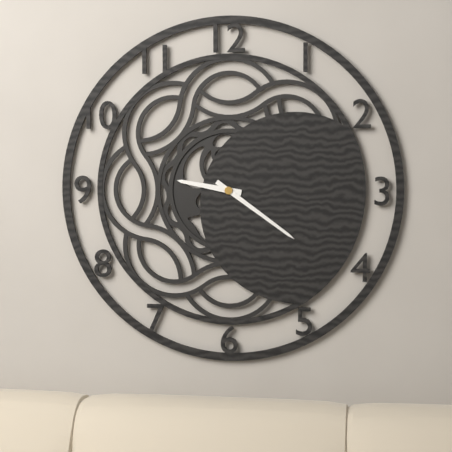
9:21
